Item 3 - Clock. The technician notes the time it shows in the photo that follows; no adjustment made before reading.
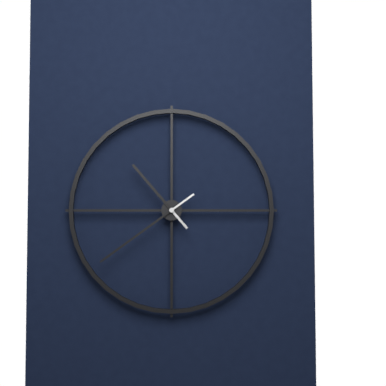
10:39
